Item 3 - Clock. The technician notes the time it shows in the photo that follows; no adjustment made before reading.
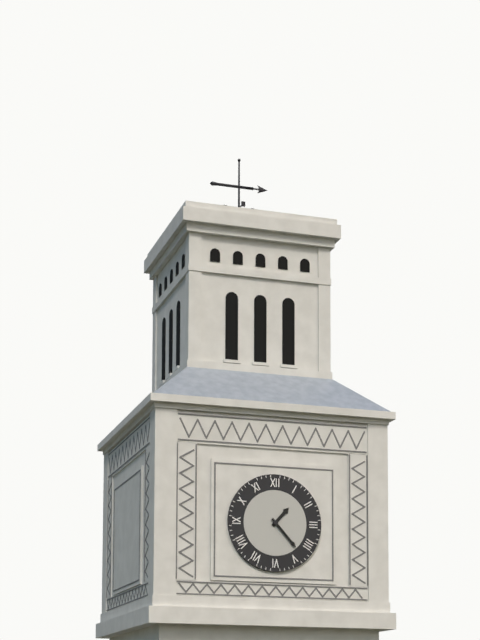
1:23
